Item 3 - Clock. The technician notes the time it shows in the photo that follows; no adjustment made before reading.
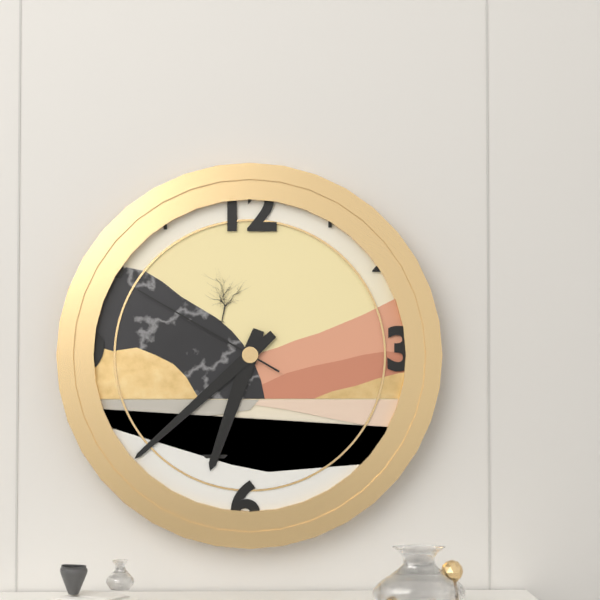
6:38:50
